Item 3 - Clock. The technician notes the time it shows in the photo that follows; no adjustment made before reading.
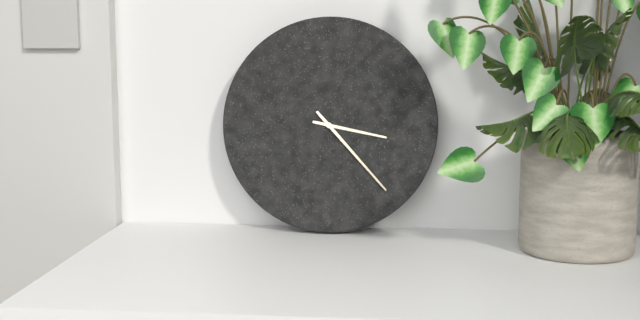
3:23
